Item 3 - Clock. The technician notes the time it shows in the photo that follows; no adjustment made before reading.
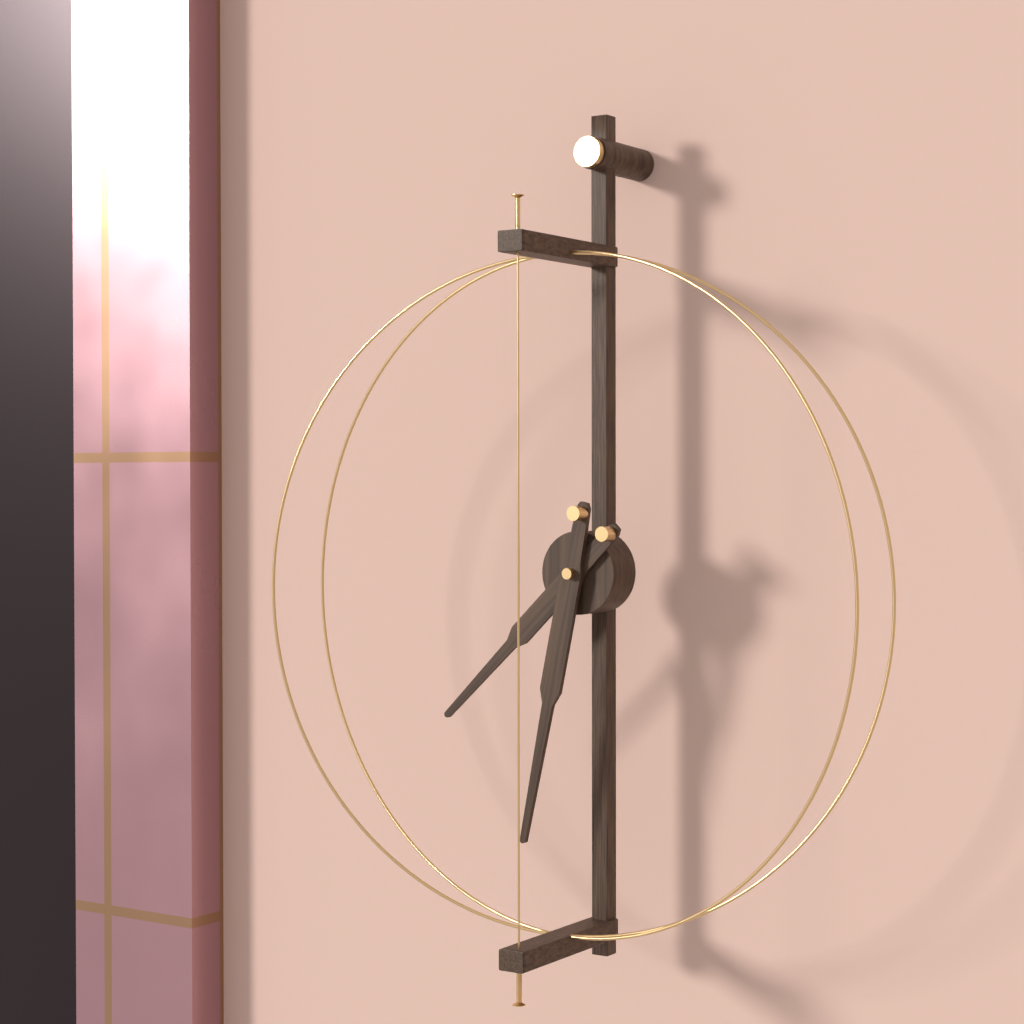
7:32
